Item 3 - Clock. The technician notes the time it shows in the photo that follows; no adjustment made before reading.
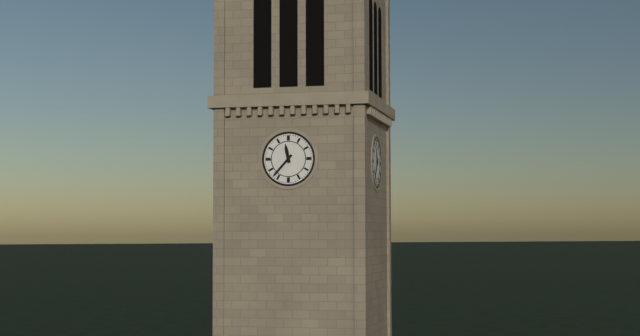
11:37
